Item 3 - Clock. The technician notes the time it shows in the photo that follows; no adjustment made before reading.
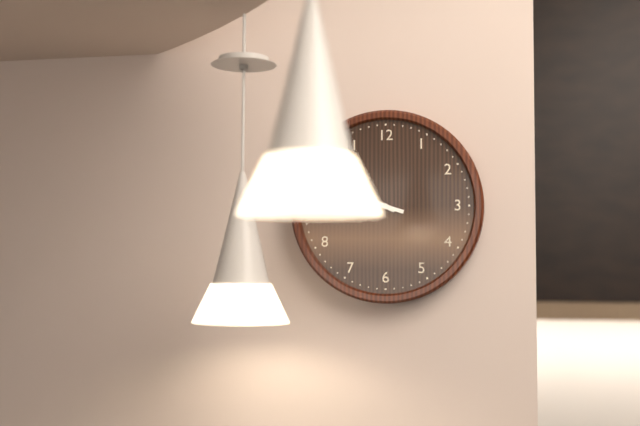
9:48
